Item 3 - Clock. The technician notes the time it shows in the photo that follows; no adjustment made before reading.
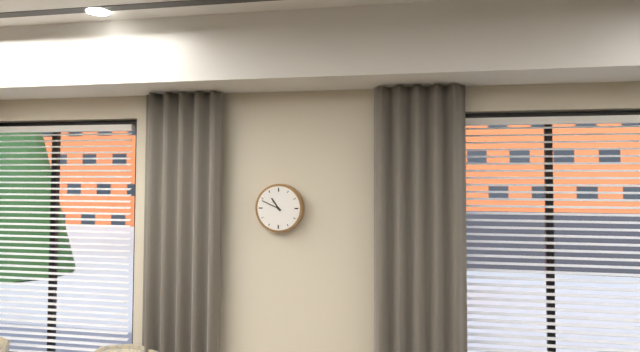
10:49
